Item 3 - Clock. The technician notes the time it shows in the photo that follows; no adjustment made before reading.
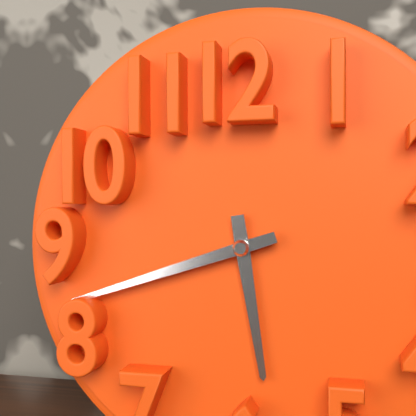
5:42
